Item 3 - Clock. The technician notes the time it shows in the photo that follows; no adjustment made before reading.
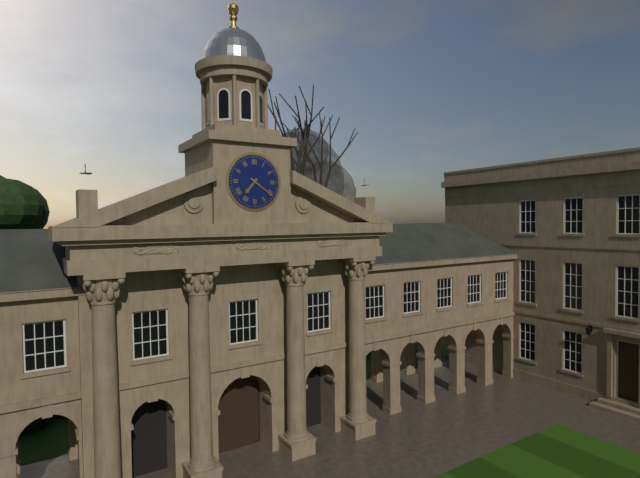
7:21
